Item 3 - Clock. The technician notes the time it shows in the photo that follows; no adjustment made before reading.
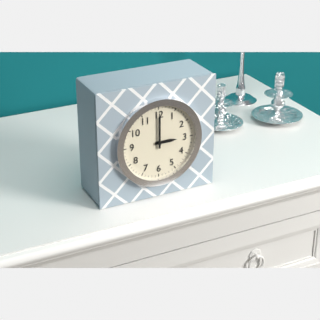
3:00
